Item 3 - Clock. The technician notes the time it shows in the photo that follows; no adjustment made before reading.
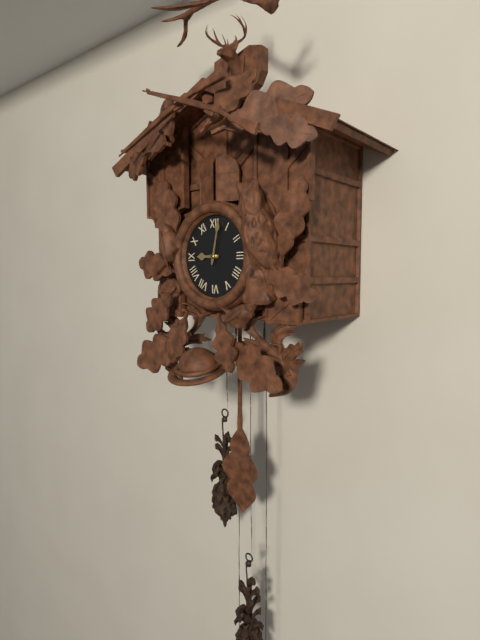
9:02
